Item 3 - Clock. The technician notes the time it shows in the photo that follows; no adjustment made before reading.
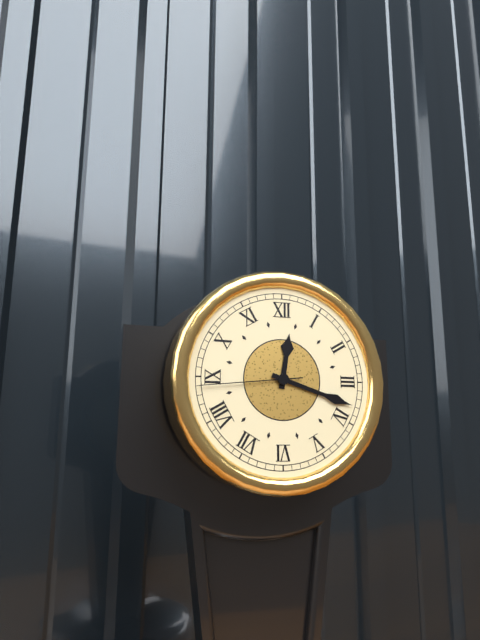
12:18:44
